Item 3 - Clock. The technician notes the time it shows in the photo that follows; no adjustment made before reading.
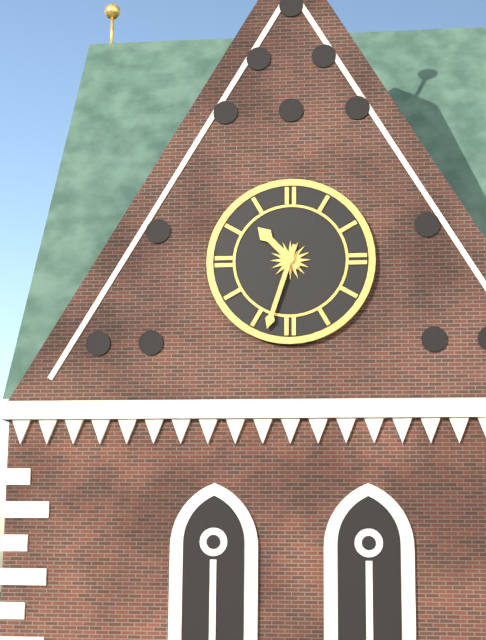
10:33
